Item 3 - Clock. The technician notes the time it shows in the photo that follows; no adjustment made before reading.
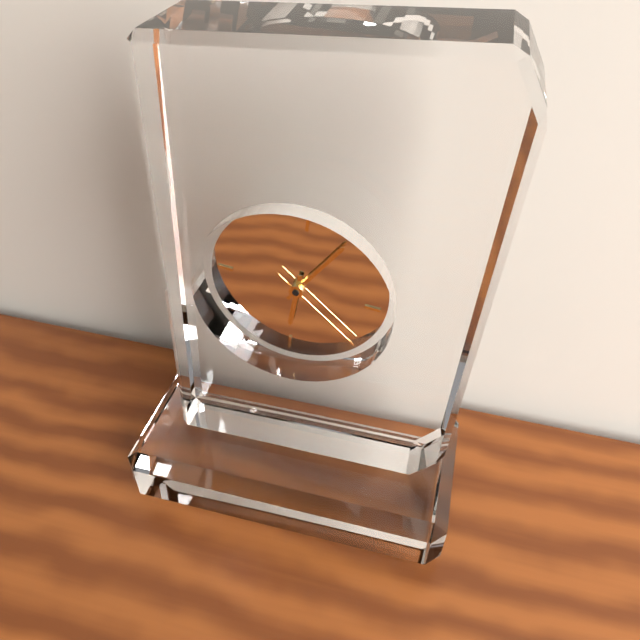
6:05:21
